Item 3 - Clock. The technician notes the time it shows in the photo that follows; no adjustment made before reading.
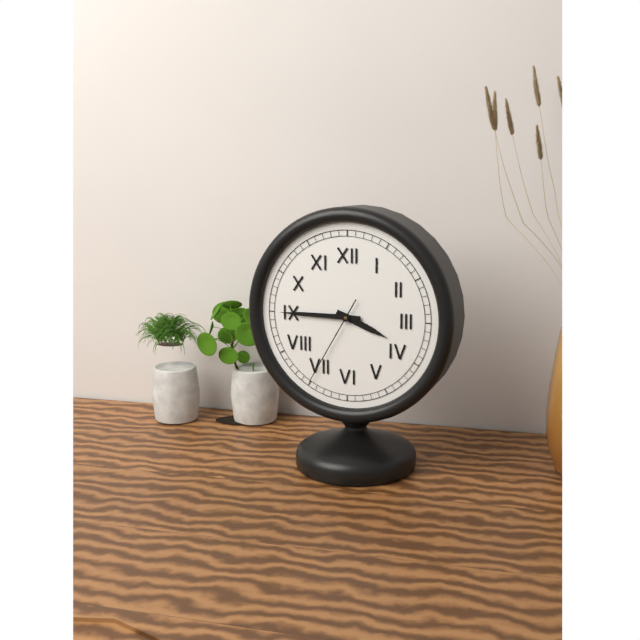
3:45:35
